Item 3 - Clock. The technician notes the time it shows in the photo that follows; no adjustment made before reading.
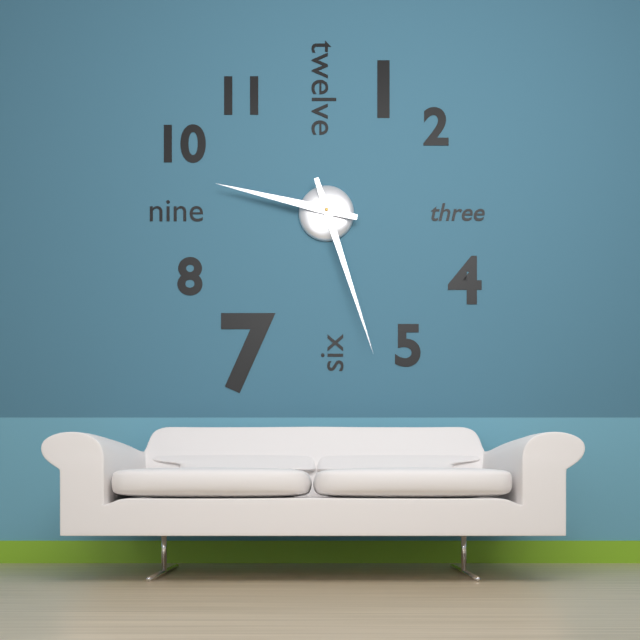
9:27
